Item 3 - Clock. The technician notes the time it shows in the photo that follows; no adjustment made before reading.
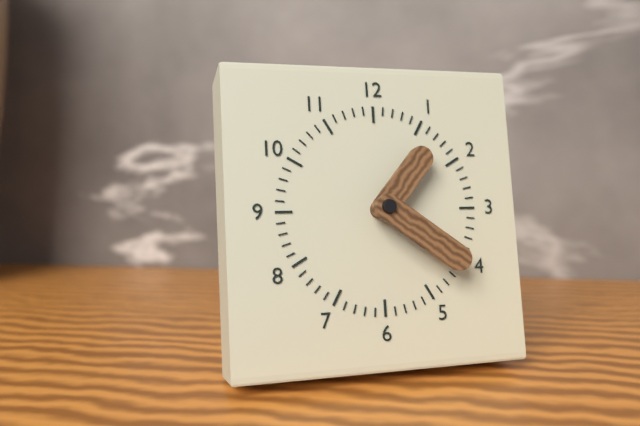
1:21
